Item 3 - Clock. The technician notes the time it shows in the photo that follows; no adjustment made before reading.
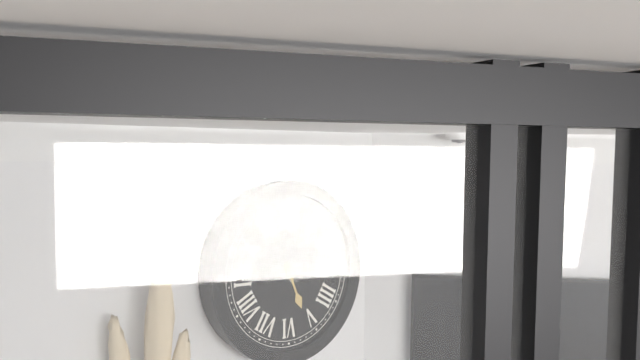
5:15
